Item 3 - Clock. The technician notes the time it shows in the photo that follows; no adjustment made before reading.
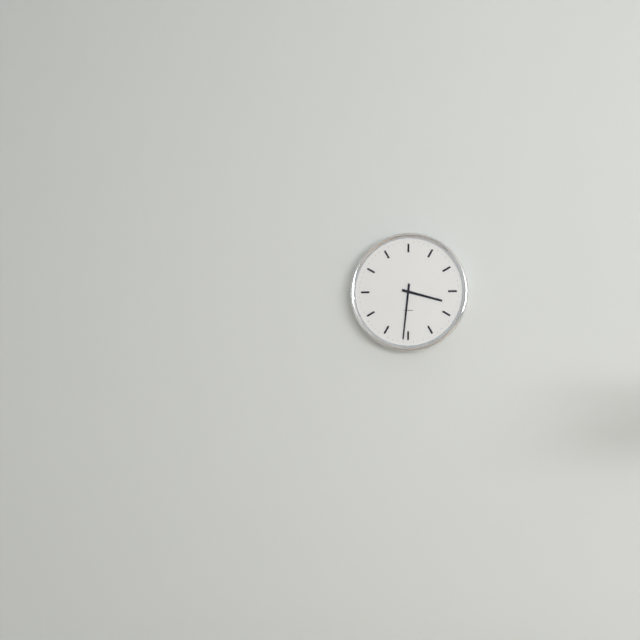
3:31
